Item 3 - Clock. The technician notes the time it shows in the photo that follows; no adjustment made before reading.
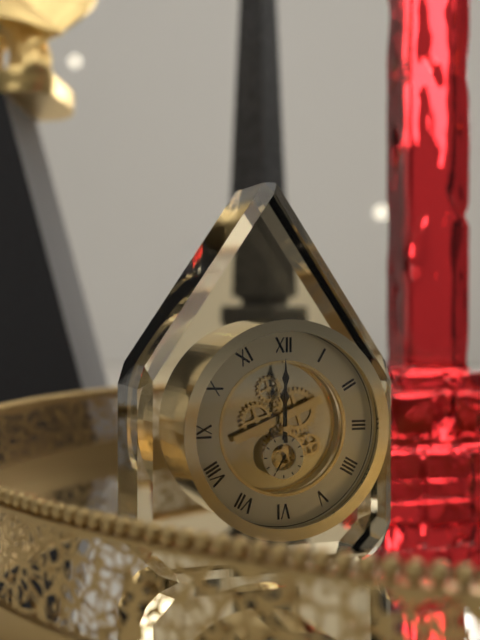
12:00
